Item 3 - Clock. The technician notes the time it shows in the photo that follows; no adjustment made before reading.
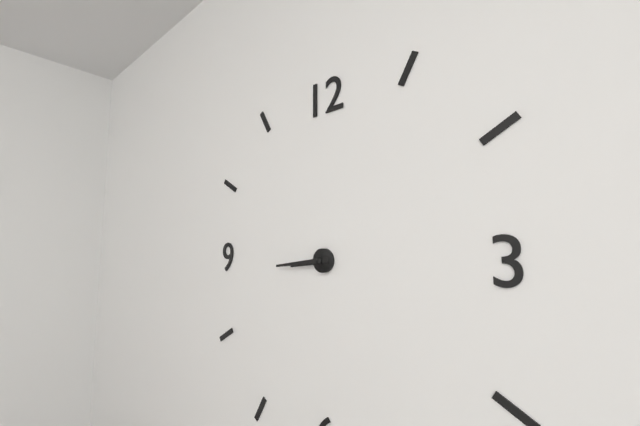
8:44
